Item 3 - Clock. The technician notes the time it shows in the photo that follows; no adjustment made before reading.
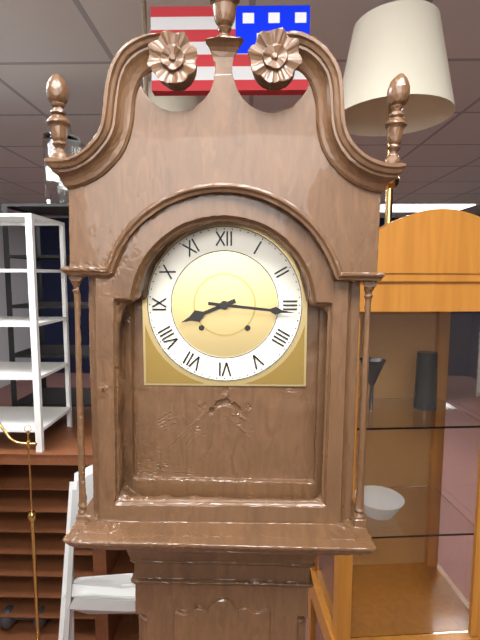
8:16
